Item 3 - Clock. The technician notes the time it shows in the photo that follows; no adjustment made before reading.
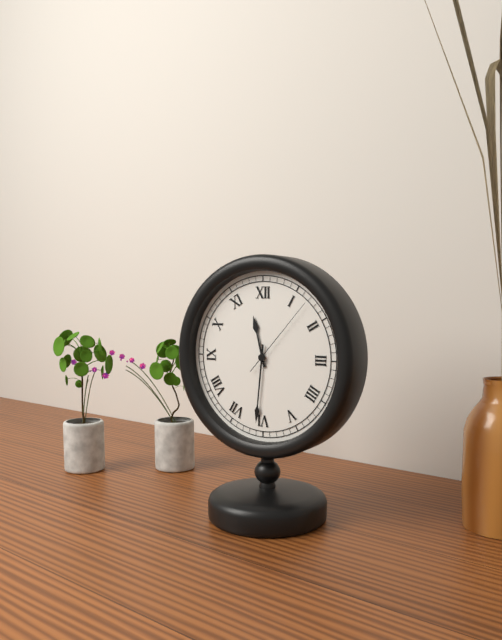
11:31:07
